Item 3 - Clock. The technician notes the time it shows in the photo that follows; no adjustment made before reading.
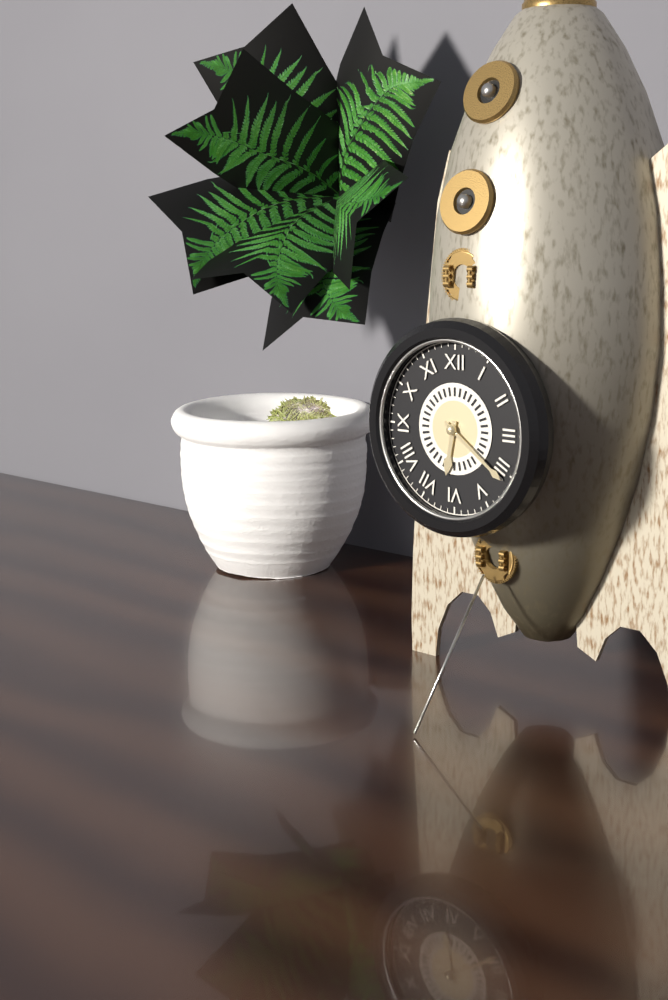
6:21
